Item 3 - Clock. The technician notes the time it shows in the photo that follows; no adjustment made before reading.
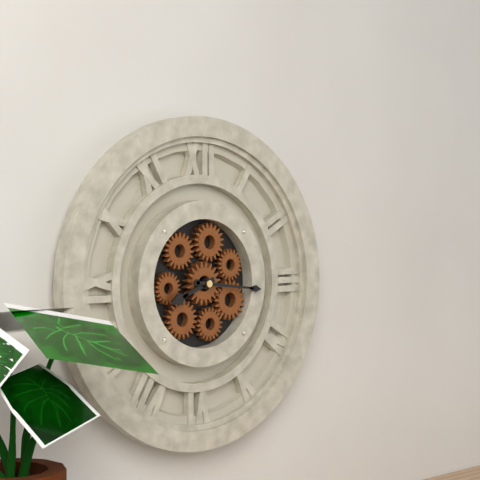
8:16
